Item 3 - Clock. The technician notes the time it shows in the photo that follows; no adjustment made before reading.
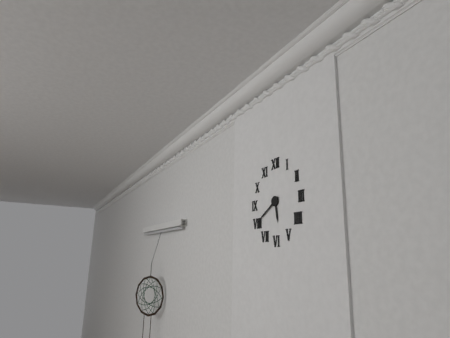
5:40
